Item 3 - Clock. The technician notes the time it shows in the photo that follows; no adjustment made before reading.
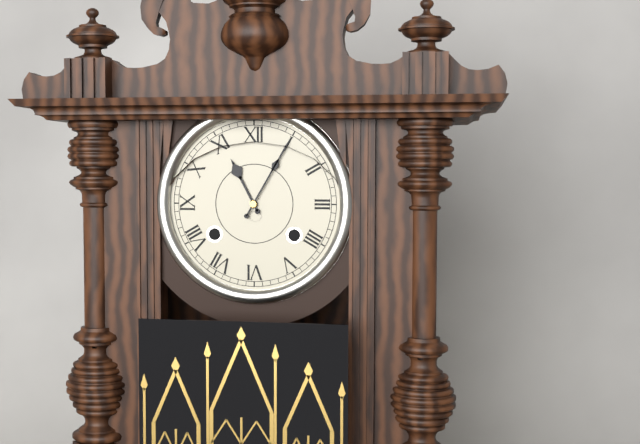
11:05
